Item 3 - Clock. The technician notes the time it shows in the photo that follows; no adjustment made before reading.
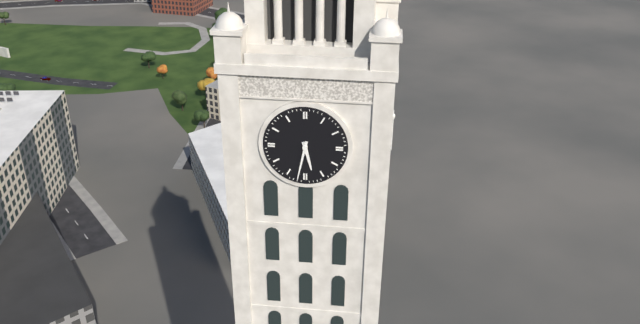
5:32
